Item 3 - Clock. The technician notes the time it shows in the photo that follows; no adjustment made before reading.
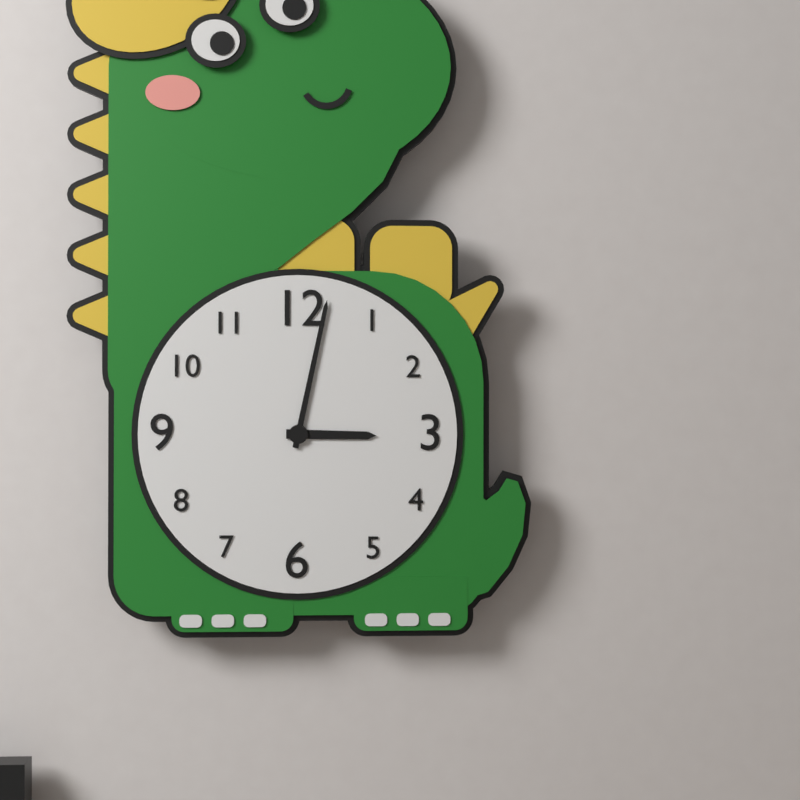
3:02
